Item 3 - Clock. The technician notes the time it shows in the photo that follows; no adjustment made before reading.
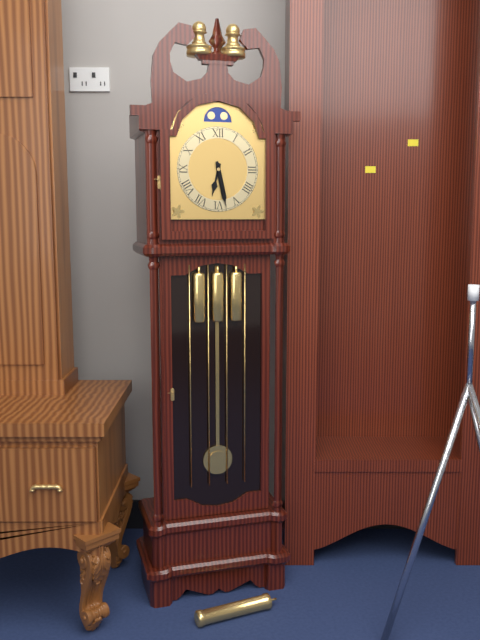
6:28
